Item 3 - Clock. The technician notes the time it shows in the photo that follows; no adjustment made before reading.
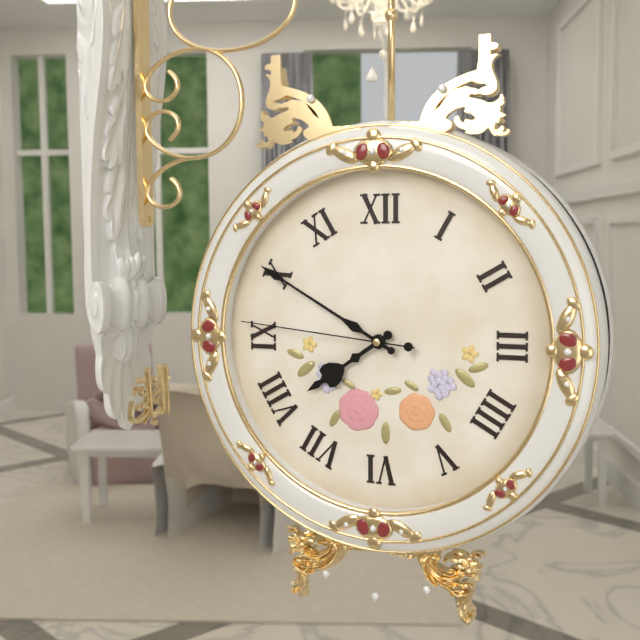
7:50:46
